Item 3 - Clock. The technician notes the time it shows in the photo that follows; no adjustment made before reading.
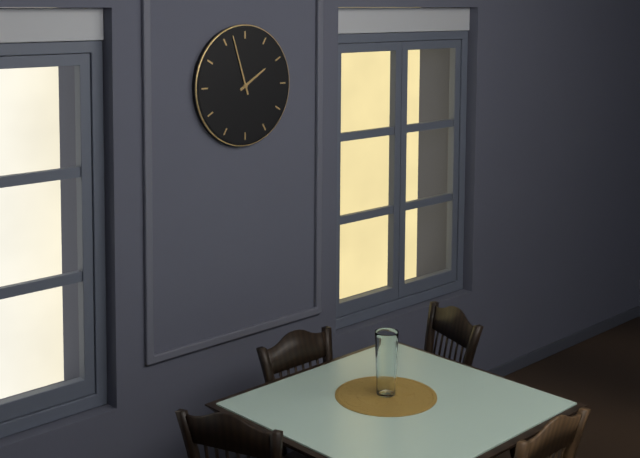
1:57
